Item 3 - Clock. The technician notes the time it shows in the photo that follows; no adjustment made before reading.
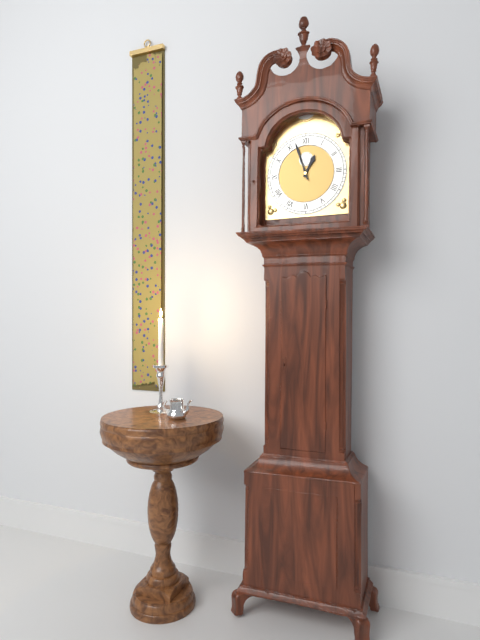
12:57
